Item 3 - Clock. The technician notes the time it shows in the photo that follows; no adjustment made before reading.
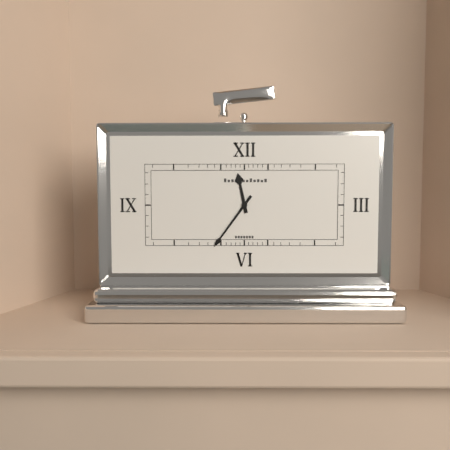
11:36
